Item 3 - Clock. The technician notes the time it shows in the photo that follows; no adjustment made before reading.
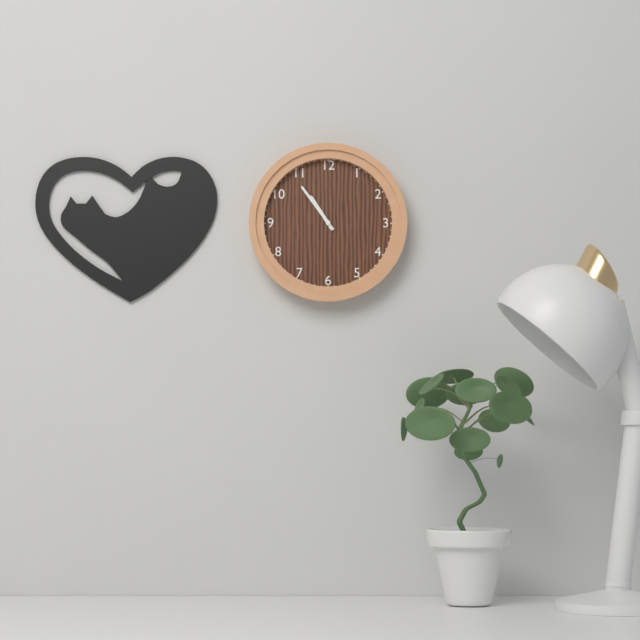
10:54
